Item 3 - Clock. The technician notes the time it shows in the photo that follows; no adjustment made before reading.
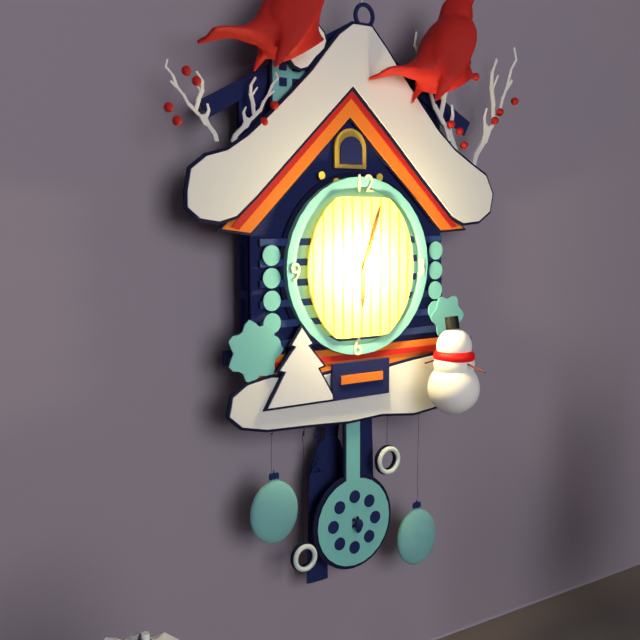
6:03
